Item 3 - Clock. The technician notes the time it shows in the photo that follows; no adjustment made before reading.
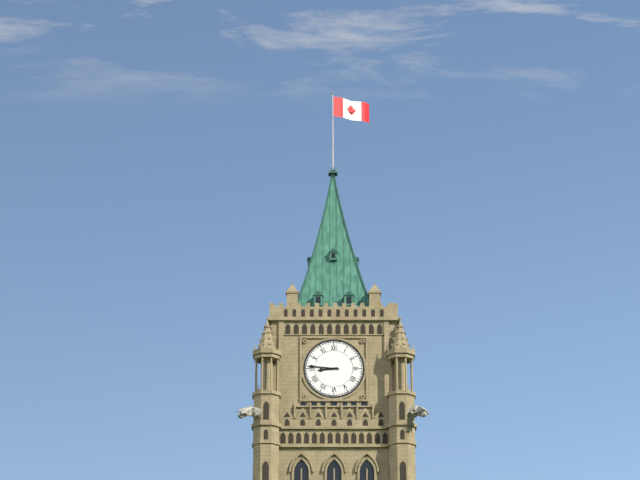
8:46
